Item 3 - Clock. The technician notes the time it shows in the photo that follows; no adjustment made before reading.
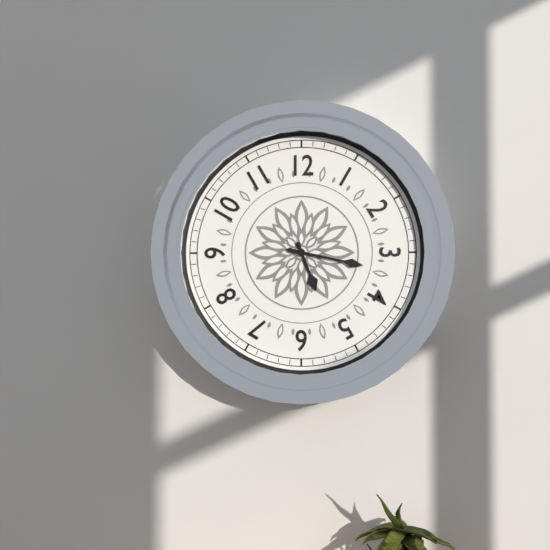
5:17
